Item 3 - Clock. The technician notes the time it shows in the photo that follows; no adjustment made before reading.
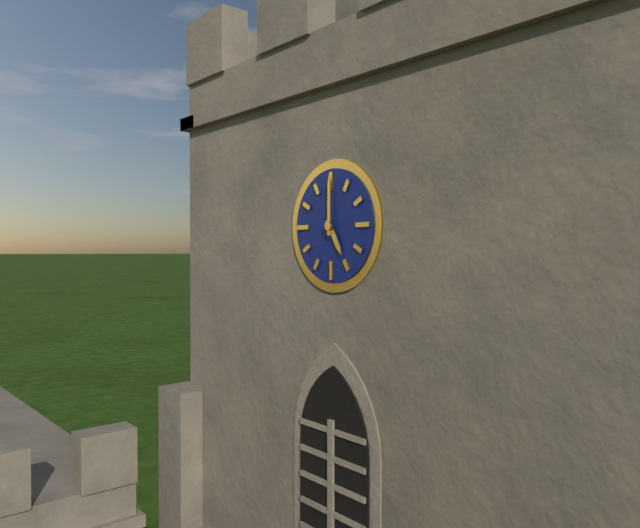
5:00
